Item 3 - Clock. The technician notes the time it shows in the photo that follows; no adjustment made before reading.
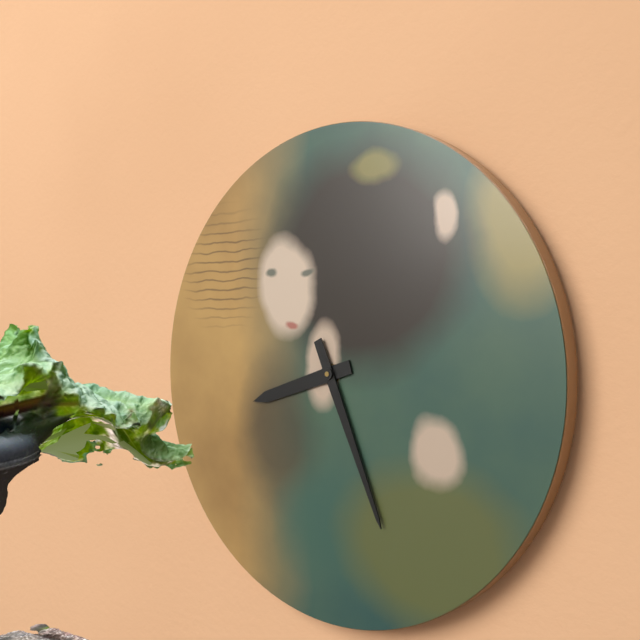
8:26
